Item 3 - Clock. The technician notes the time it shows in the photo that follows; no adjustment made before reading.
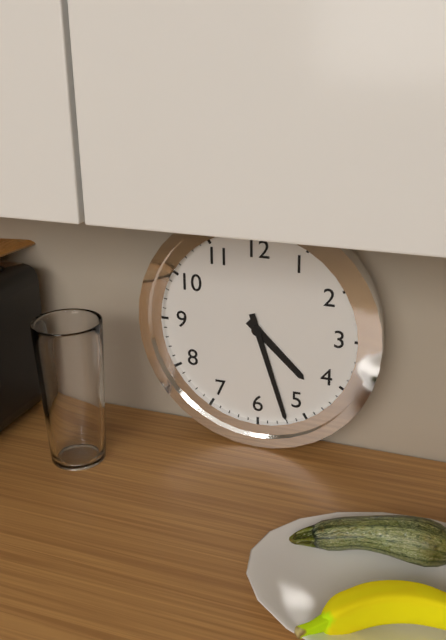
4:27
